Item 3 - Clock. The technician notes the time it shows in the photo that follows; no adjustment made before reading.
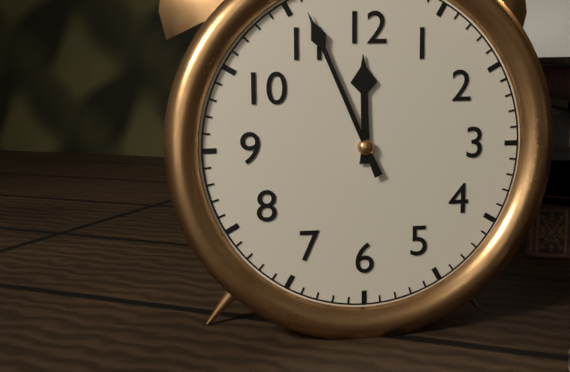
11:56
